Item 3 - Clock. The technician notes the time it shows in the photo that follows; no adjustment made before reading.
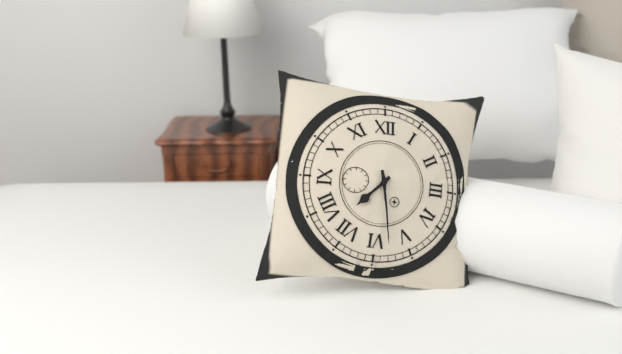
7:28
